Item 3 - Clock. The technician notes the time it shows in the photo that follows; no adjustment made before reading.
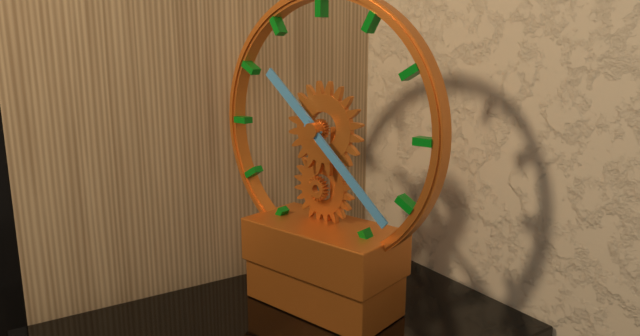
10:22
